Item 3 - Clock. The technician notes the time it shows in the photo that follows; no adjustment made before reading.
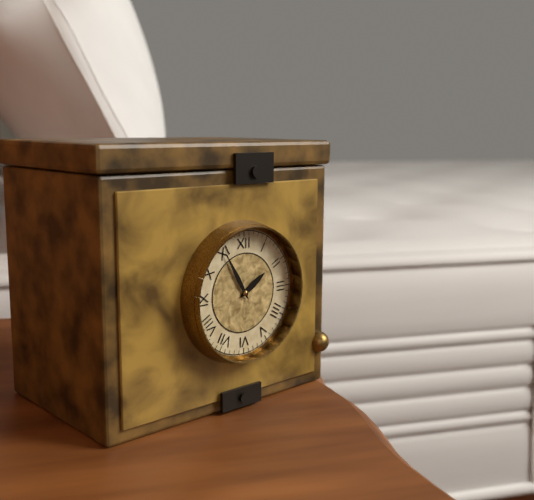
1:55
